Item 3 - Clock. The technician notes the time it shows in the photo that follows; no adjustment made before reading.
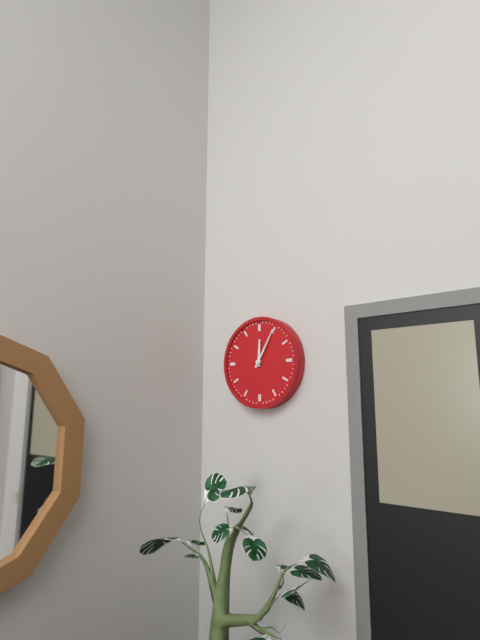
12:05
